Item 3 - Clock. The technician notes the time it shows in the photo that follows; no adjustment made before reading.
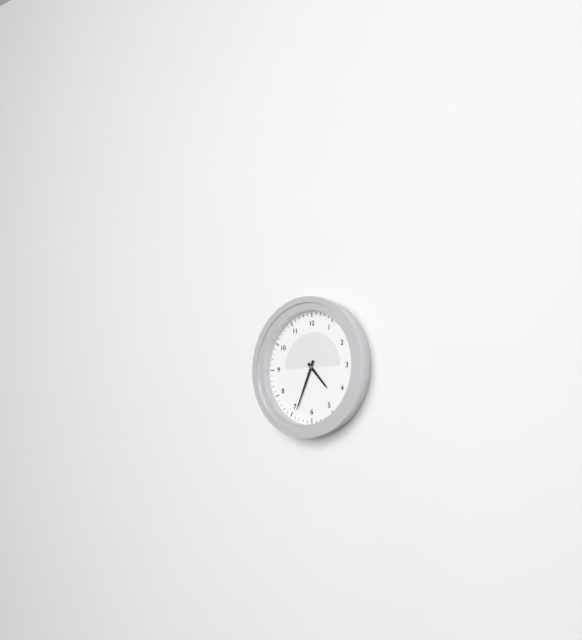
4:34
